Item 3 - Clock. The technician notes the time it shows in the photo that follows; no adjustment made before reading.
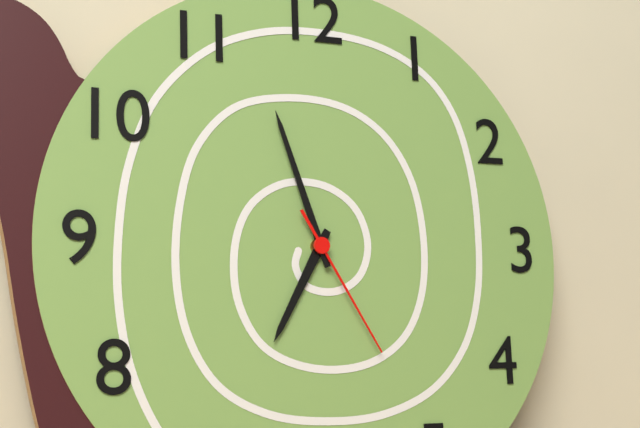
6:57:25
